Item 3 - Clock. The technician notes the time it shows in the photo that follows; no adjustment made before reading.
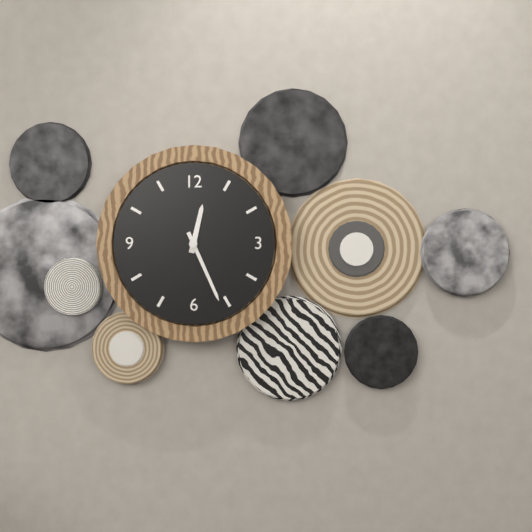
12:26
